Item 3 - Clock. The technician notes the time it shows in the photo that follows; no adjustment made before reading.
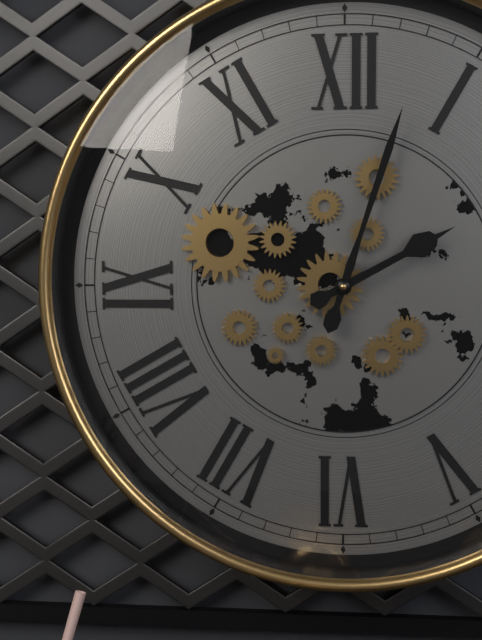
2:03
